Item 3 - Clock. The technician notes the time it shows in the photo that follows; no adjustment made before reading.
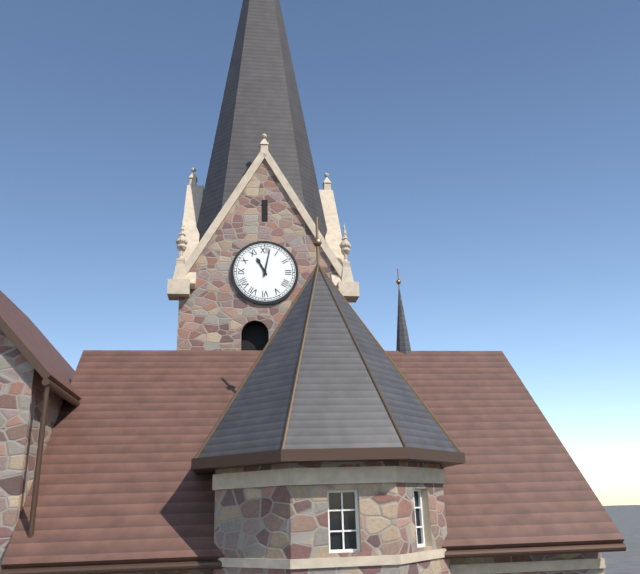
11:02
